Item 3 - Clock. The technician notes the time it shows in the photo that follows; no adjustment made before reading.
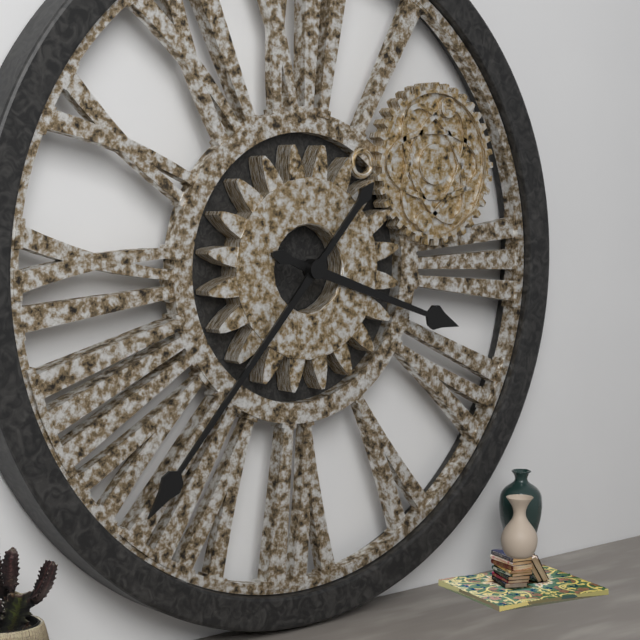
3:37
